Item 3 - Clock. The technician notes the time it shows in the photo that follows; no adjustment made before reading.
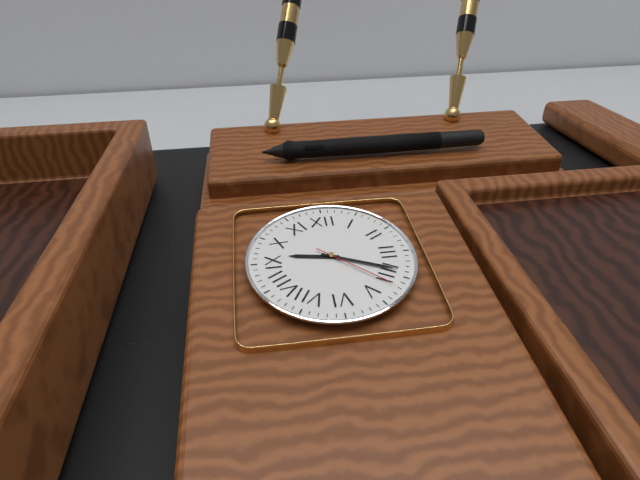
9:19:22
